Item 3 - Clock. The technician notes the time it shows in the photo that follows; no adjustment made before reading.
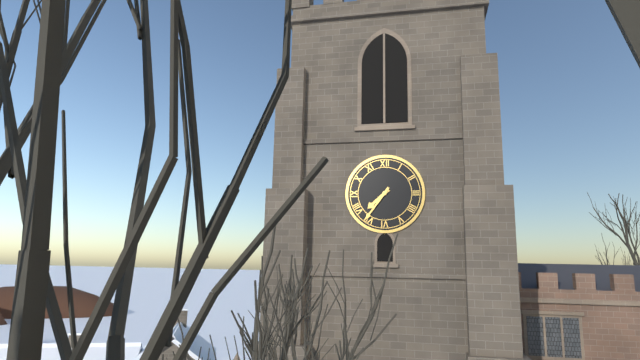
7:36
